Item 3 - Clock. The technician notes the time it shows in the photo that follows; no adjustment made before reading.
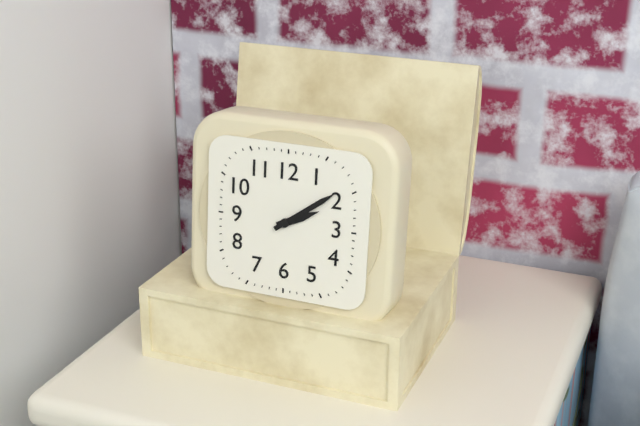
2:09
